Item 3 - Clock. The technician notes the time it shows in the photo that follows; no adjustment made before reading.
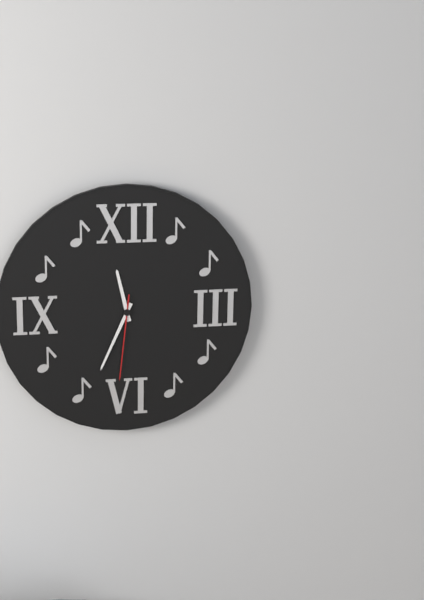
11:34:31
